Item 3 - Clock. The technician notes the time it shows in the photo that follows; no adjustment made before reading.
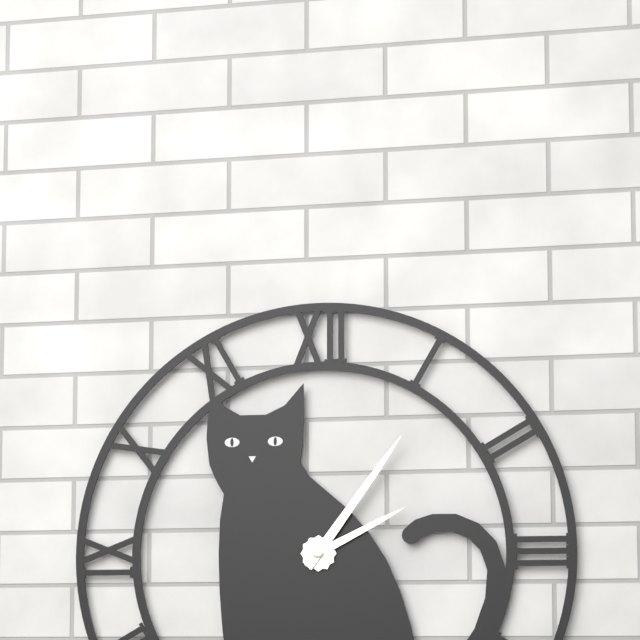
2:06
